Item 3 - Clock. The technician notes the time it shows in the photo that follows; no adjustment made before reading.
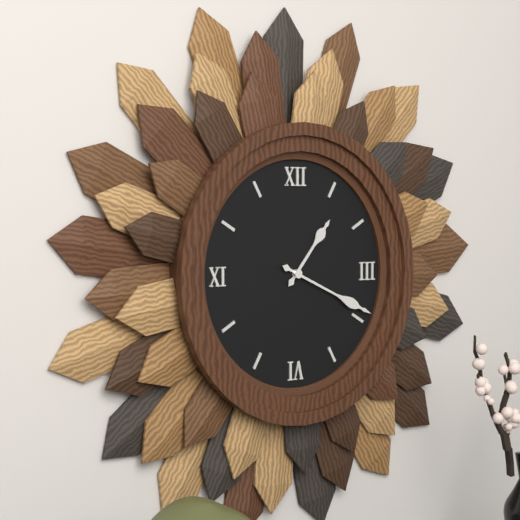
1:19
